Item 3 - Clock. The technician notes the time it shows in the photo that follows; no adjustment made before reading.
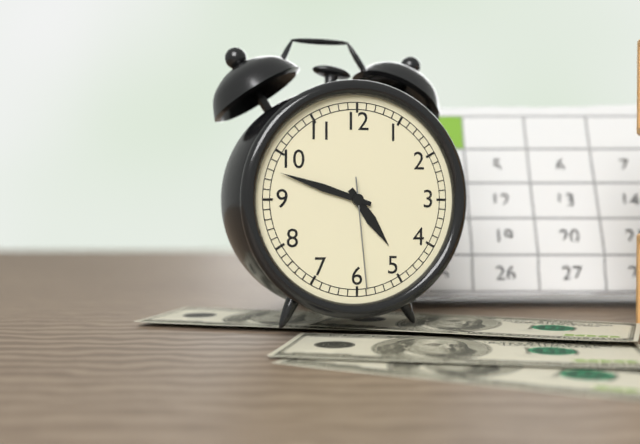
4:48:29
